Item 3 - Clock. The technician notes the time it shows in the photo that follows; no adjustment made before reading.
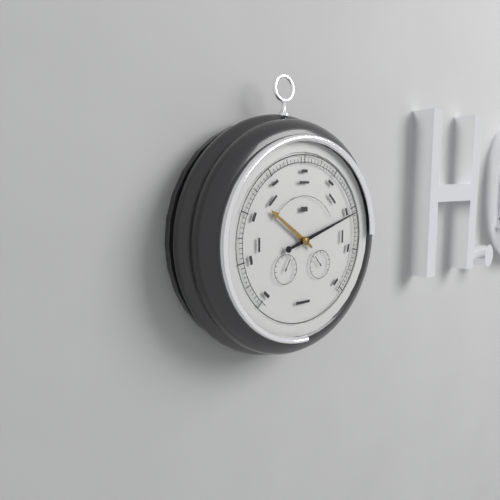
10:12
